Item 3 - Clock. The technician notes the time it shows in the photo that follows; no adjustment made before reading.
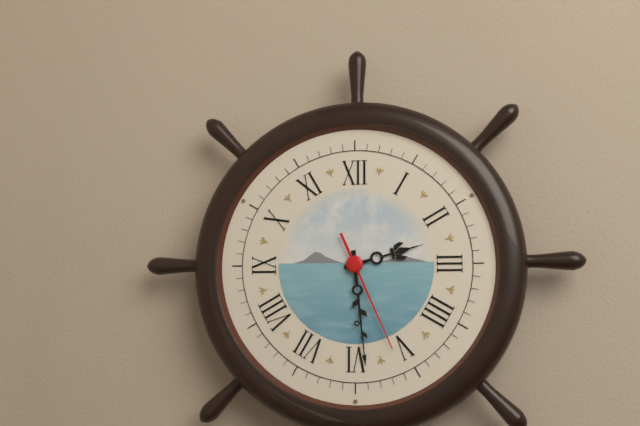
2:29:26
